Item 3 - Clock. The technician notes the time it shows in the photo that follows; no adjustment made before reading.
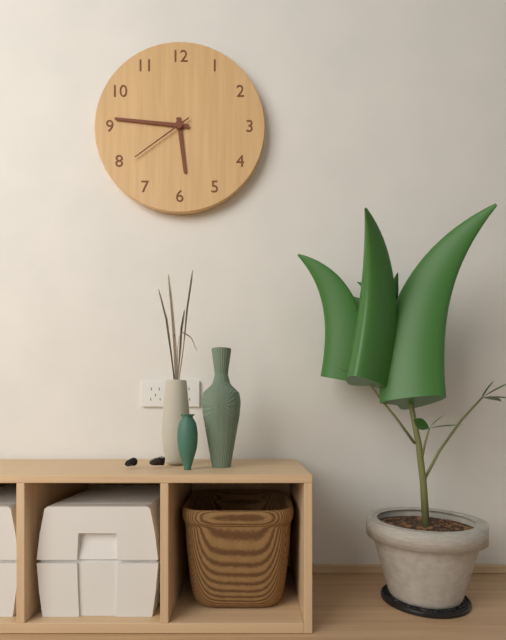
5:46:39
